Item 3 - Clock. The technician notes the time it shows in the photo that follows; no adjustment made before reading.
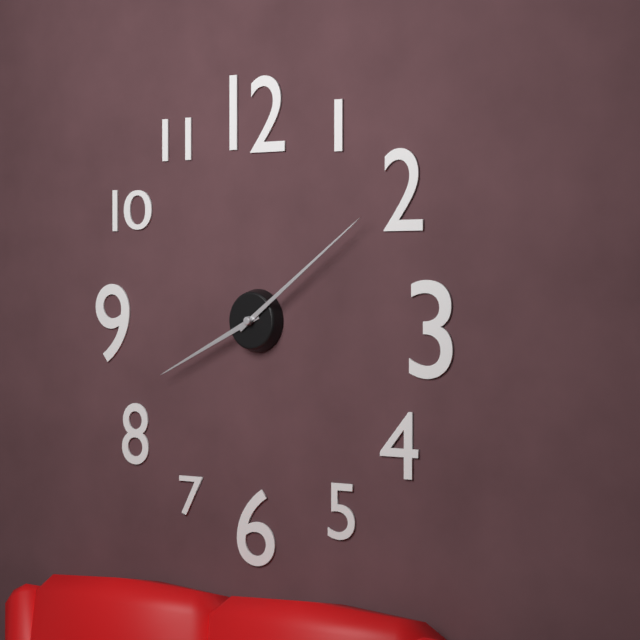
8:09
